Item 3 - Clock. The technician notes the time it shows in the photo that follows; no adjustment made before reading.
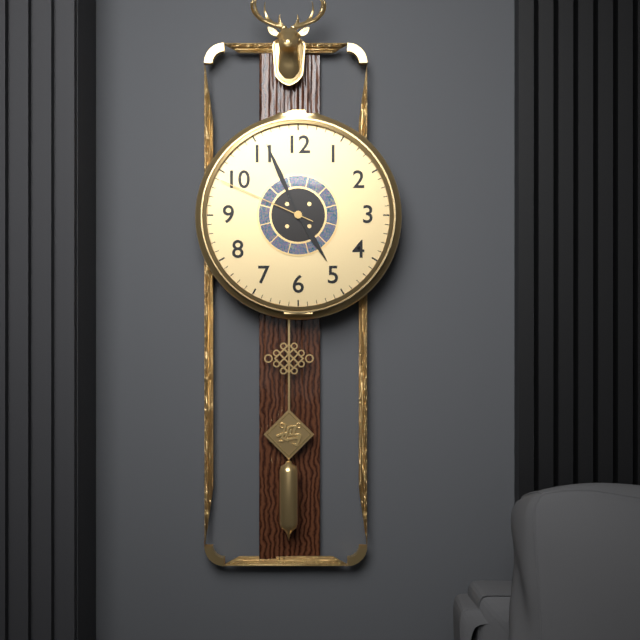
4:56:49
